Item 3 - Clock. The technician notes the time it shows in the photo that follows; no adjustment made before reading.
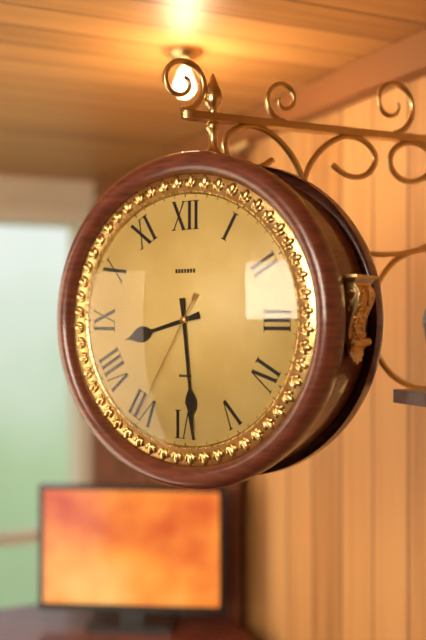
8:29:35
